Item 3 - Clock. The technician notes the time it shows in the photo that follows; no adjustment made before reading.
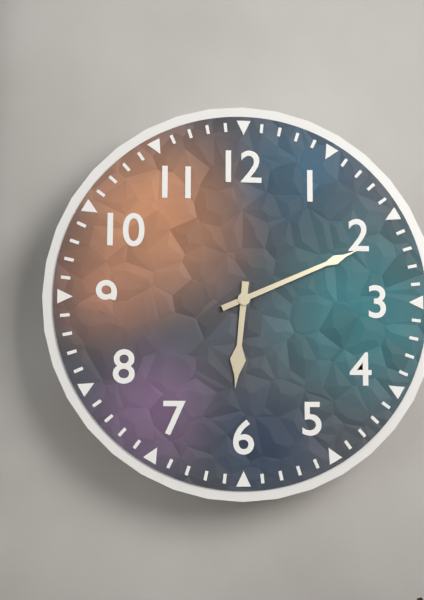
6:11
